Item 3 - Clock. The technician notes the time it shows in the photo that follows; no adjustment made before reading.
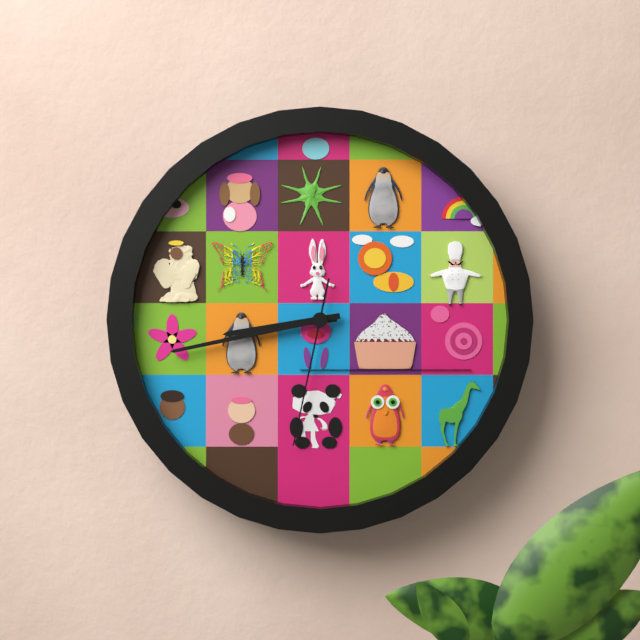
8:43:32
